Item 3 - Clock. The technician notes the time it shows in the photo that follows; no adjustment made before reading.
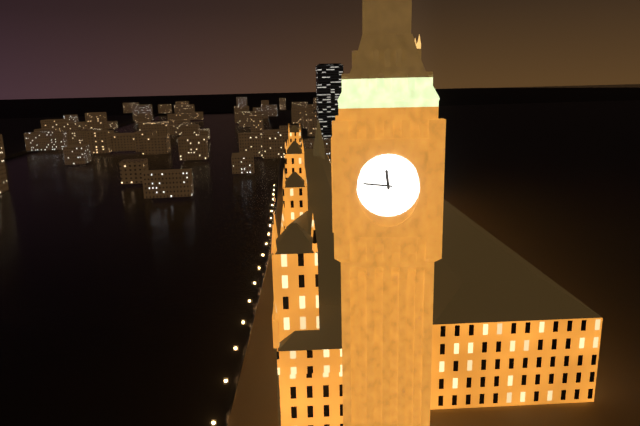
11:46
